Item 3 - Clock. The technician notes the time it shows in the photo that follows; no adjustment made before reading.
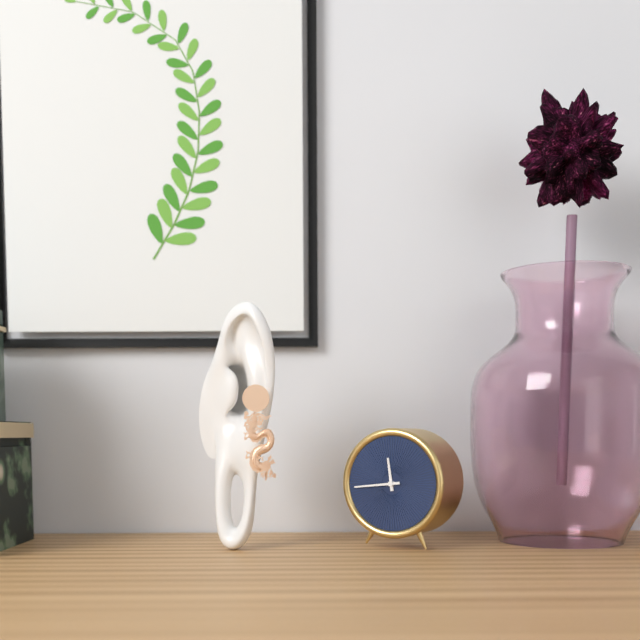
11:44
